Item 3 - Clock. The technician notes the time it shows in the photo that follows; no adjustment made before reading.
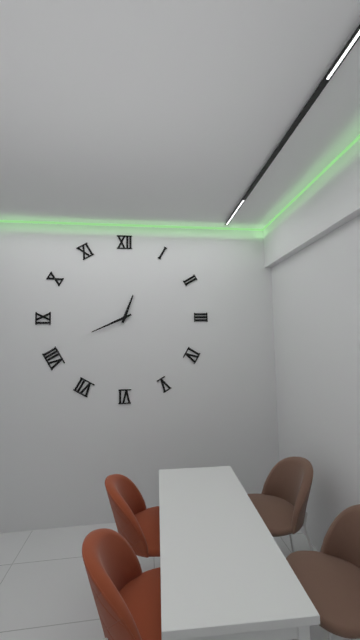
12:41
